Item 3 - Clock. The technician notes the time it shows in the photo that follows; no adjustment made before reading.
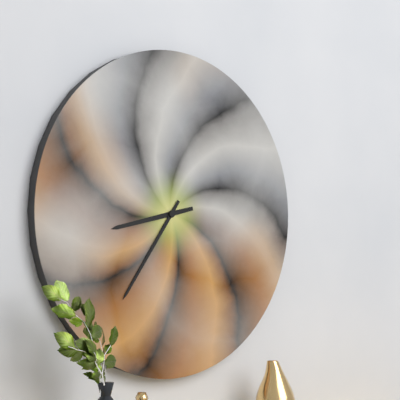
8:36
